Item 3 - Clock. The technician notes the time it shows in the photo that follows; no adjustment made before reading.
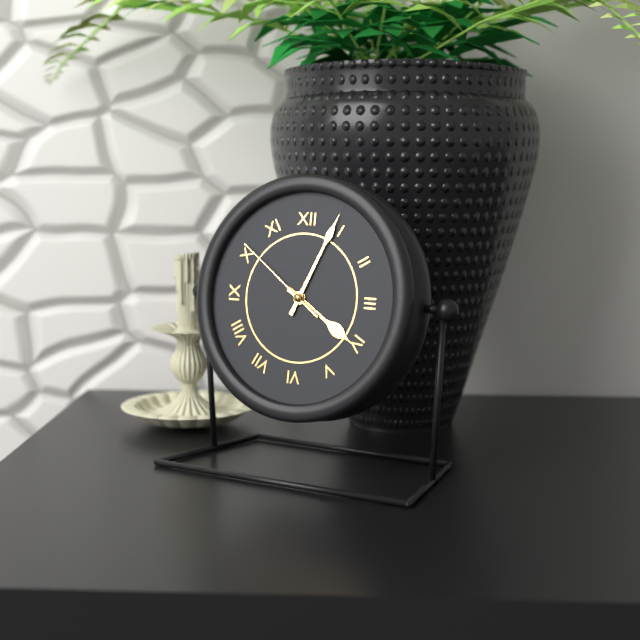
4:04:51
